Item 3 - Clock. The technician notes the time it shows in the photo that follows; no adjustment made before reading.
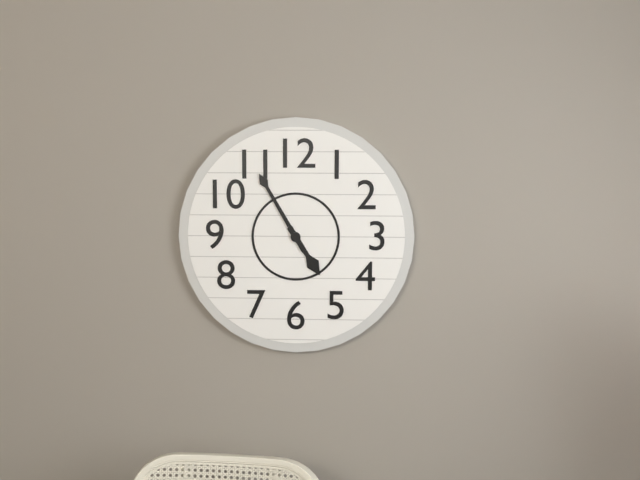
4:55
